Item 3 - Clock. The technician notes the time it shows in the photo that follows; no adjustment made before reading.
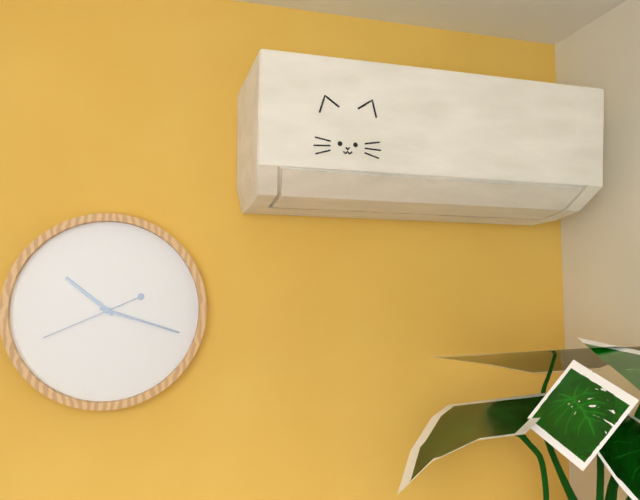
10:18:41
